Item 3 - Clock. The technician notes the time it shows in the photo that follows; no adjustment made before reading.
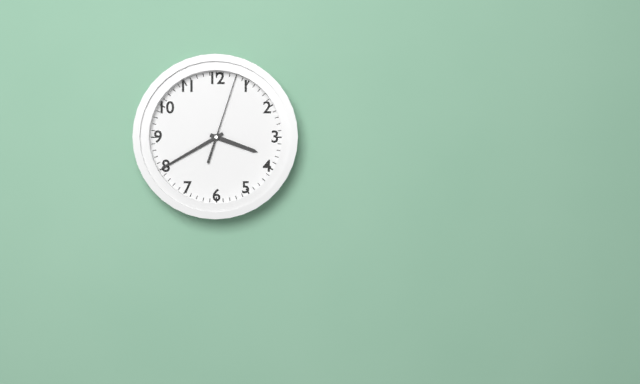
3:40:03
